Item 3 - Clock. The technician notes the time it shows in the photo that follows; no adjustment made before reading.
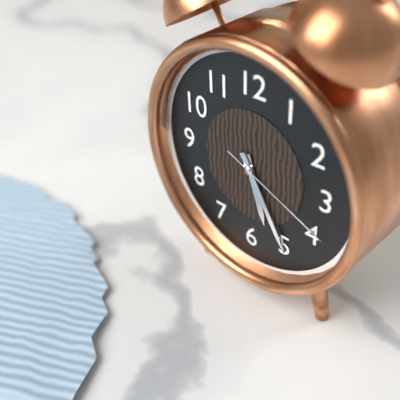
5:25:19
